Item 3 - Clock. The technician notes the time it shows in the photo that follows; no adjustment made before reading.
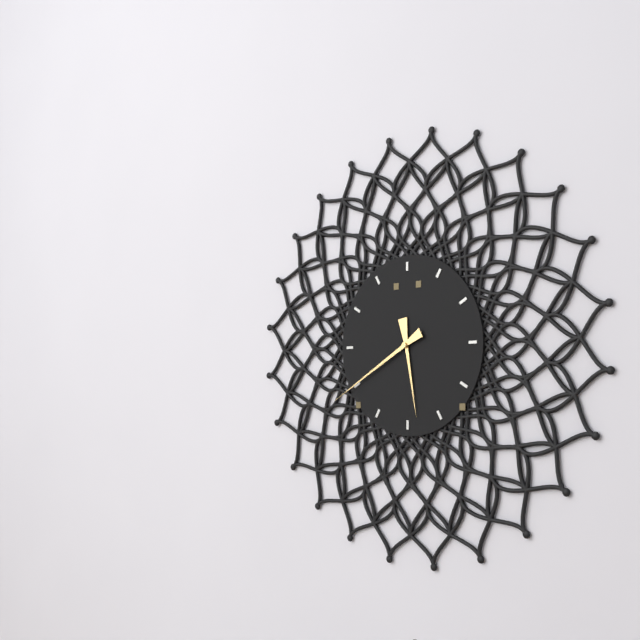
5:40
